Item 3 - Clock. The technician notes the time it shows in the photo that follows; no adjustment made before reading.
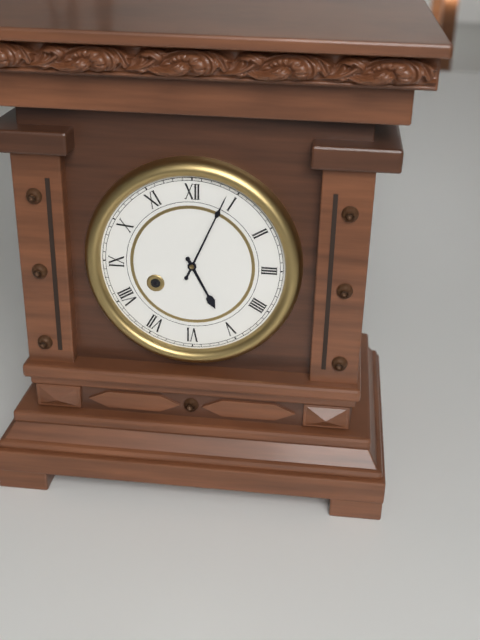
5:04
